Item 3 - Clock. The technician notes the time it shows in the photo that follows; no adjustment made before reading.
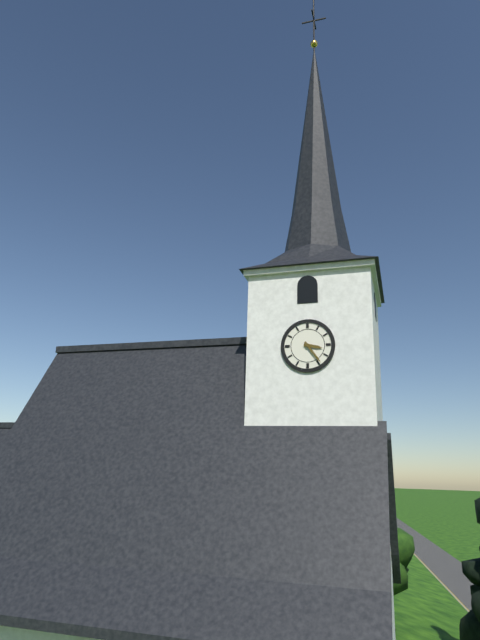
3:24
